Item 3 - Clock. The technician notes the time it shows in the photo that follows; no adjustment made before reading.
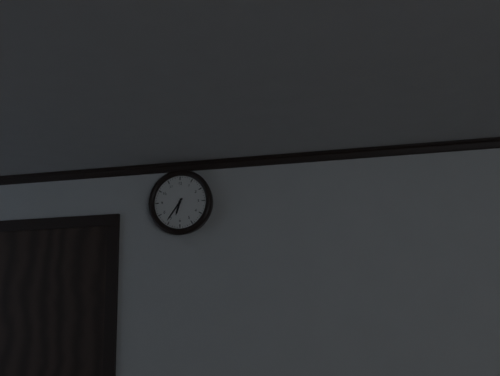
6:36
